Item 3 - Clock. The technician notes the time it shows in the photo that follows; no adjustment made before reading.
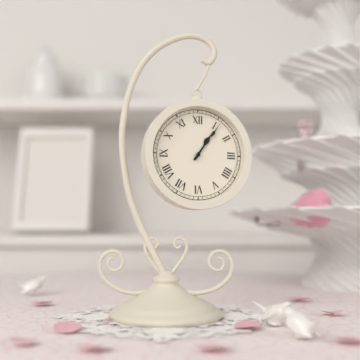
1:06
